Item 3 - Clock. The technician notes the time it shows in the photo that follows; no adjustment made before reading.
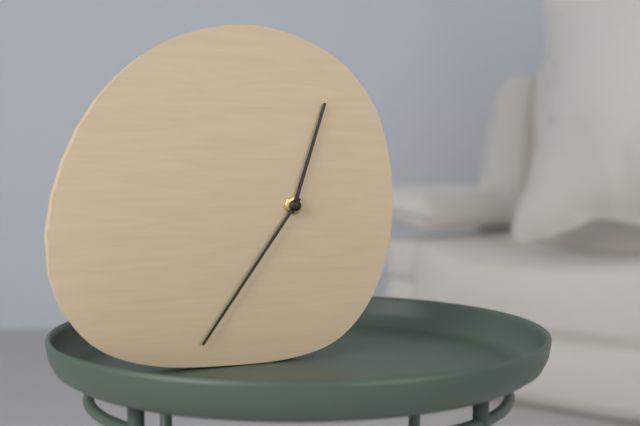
12:36
